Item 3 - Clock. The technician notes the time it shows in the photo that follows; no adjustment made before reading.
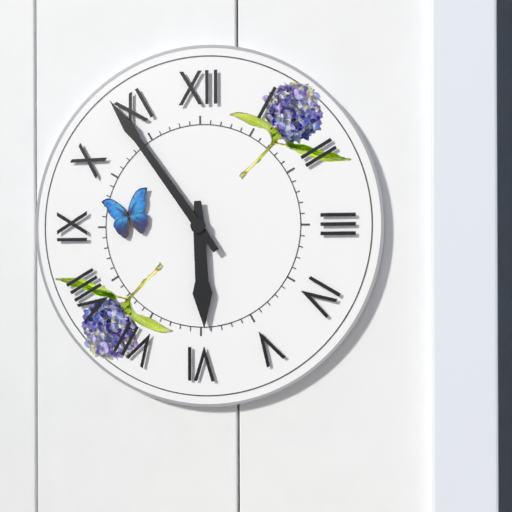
5:54
